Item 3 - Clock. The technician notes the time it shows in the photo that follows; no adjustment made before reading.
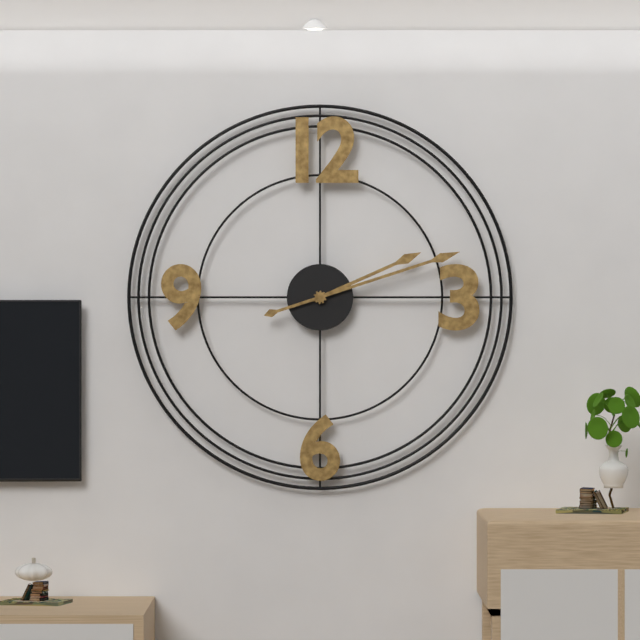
2:12
